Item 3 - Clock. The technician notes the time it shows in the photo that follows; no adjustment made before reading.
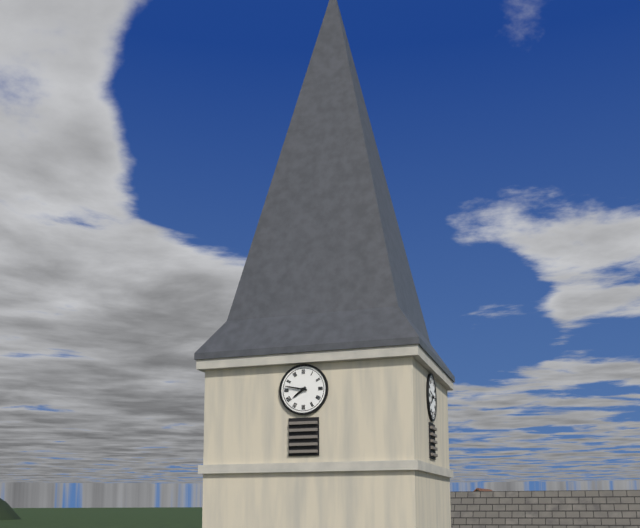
7:47
